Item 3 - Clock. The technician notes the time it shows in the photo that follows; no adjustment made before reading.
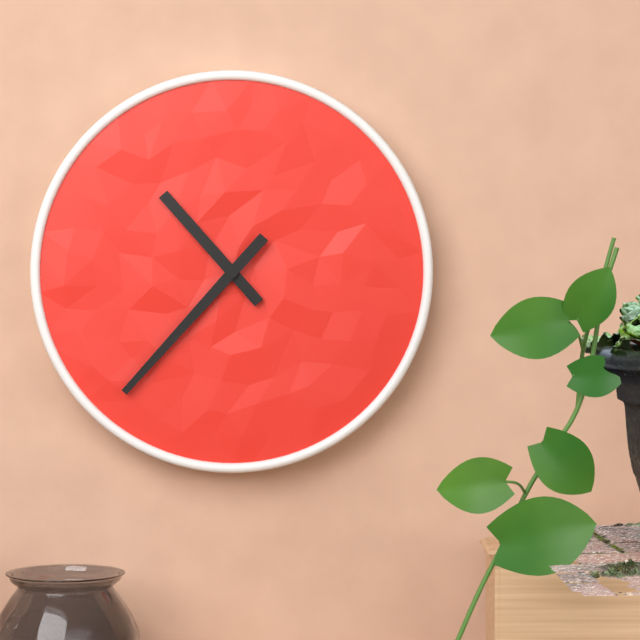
10:37
